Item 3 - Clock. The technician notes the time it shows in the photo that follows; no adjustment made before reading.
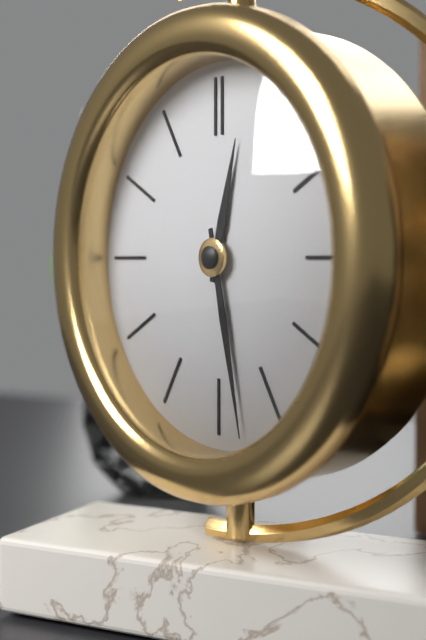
12:28
